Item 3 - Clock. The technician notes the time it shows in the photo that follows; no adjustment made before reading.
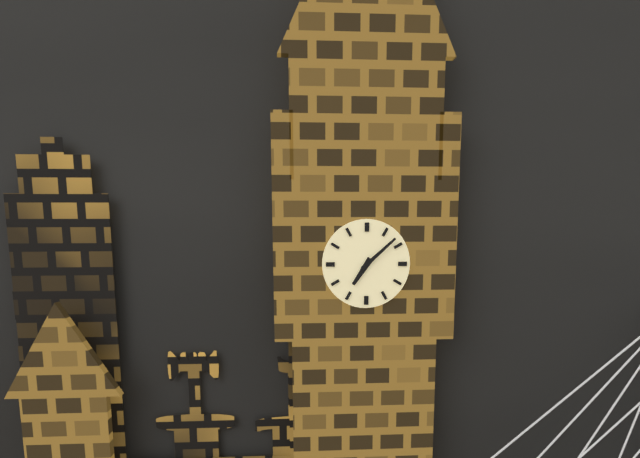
7:08
